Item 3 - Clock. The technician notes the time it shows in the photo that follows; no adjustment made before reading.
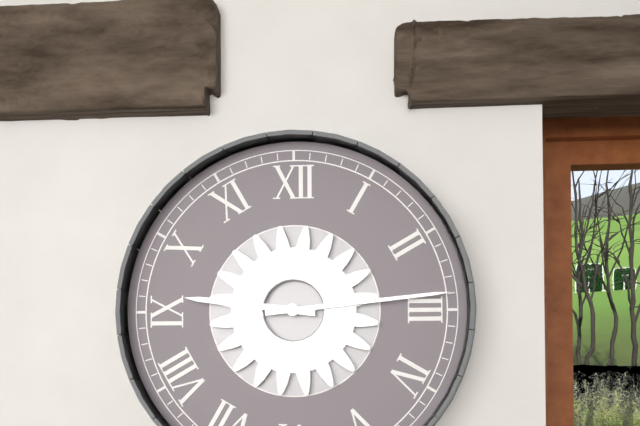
9:14
